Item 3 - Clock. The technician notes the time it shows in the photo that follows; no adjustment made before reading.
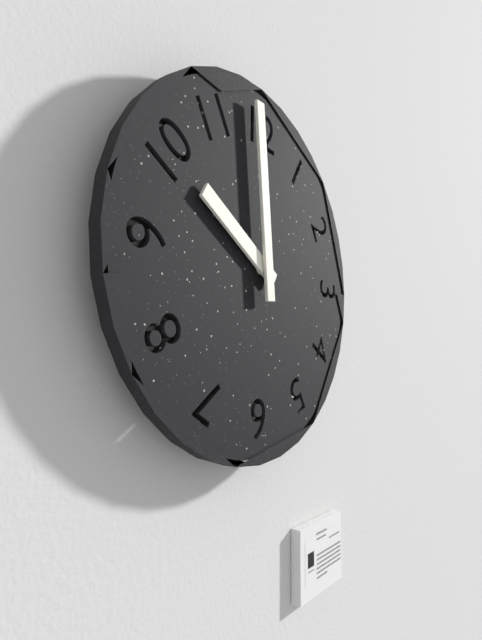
9:59
